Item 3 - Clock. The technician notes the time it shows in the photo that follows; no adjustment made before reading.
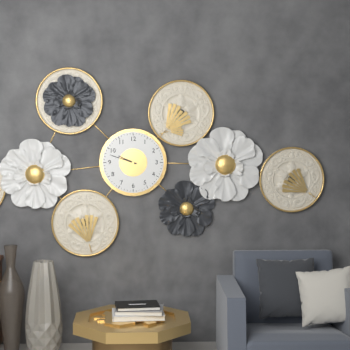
9:48
